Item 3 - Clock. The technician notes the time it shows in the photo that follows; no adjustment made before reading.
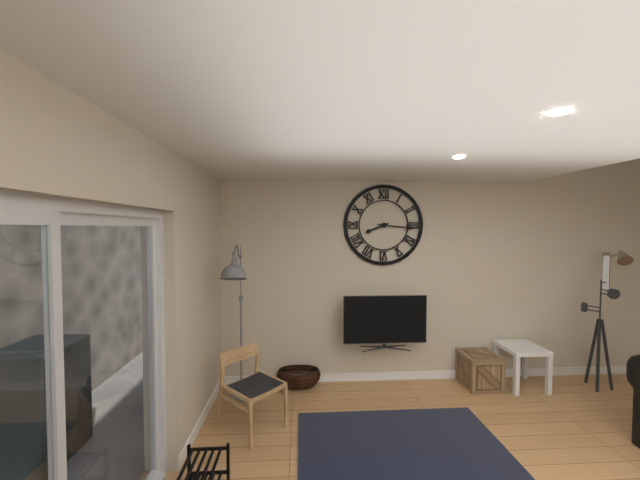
8:16
